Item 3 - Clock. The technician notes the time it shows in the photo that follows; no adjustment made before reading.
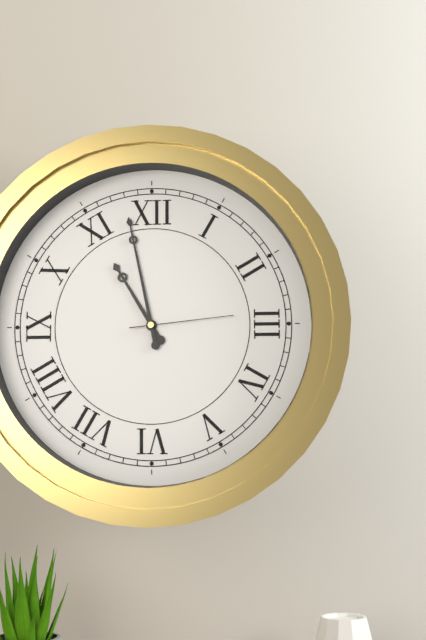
10:58:14
